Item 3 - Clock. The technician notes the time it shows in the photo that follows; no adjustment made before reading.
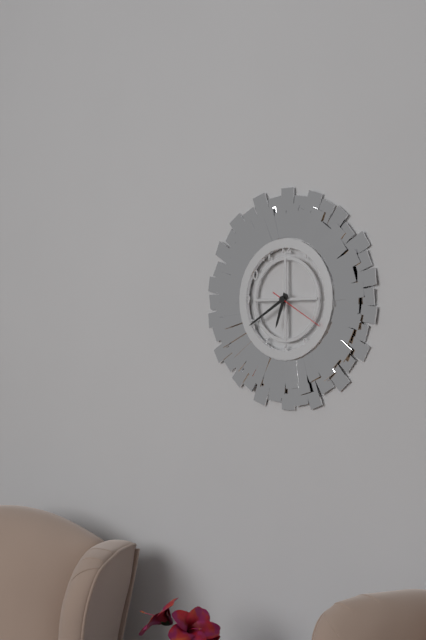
6:40:20
